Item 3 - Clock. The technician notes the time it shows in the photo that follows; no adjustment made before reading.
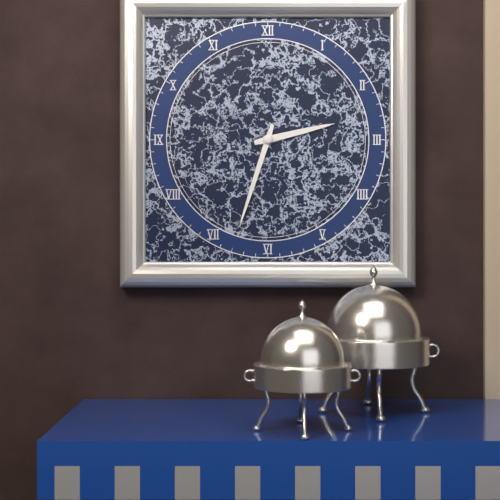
2:33
